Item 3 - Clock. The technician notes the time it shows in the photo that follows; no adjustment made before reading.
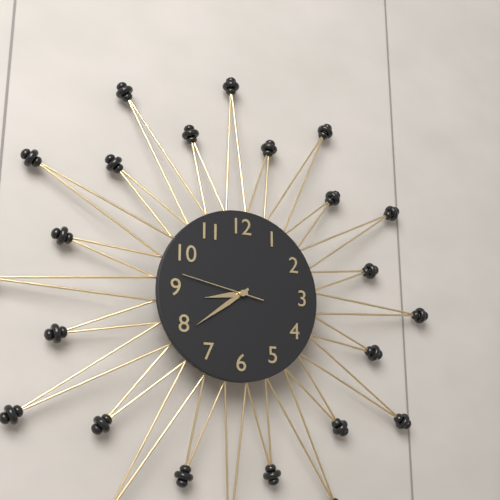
8:39:47
